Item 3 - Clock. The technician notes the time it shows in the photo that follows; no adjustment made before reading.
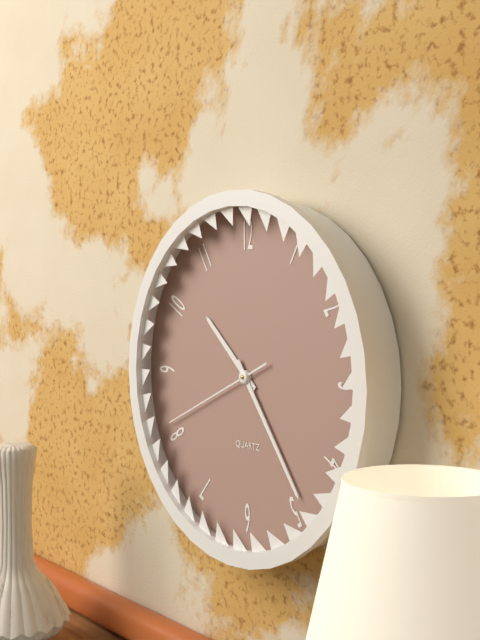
10:24:41
